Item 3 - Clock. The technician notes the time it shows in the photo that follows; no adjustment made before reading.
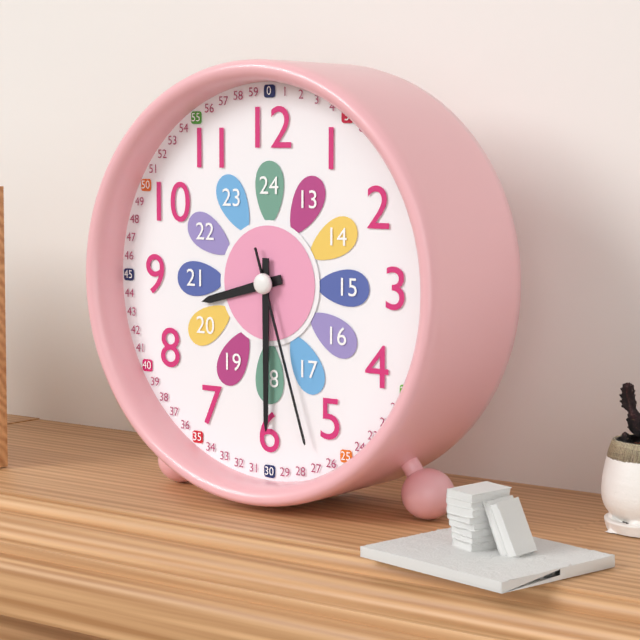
8:30:27
